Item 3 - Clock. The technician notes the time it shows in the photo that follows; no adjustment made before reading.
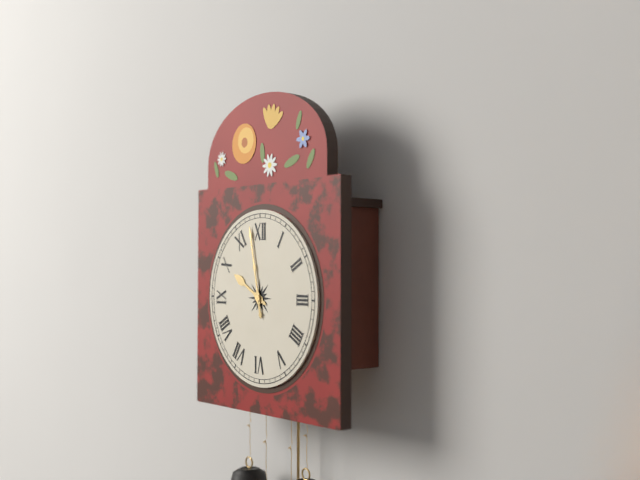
9:58
